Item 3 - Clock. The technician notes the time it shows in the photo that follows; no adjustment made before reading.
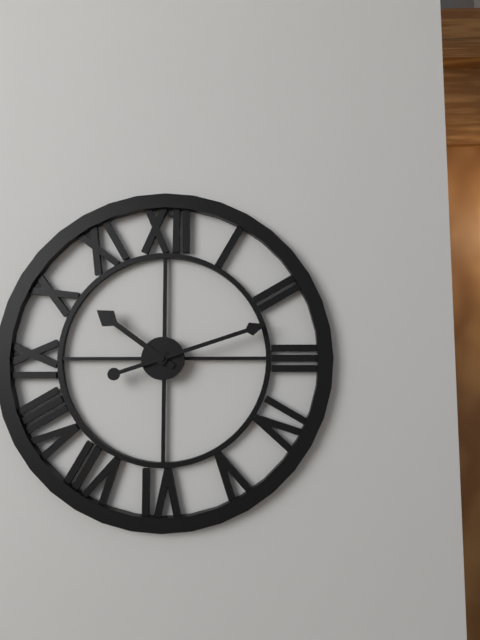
10:12
